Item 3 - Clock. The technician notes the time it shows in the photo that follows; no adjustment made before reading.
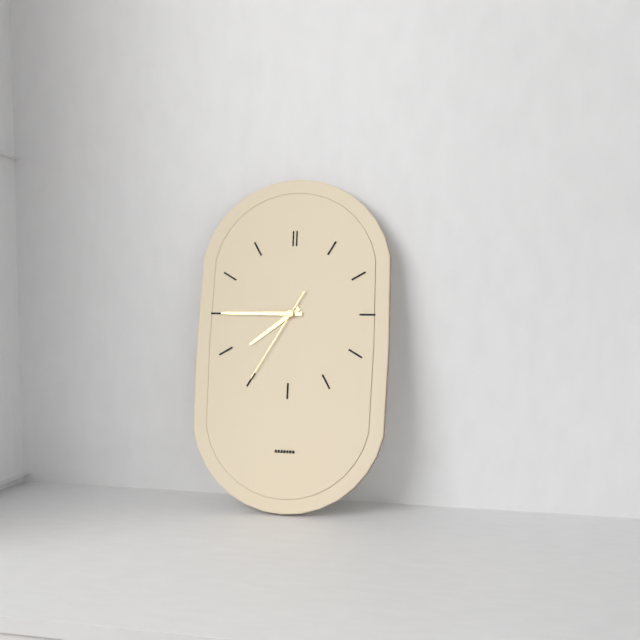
7:45:35
